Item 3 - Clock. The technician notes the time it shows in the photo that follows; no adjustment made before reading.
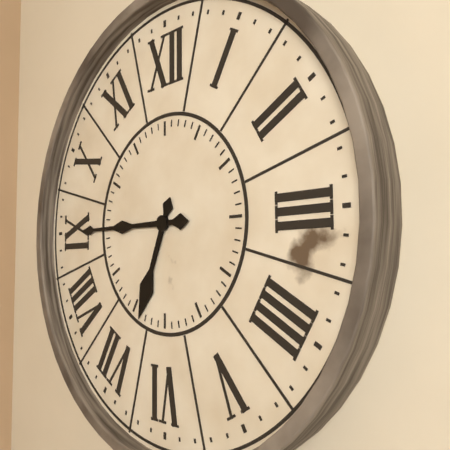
6:45
